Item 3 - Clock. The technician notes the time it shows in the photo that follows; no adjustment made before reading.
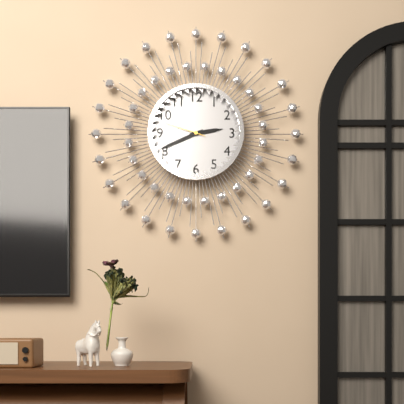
2:41
